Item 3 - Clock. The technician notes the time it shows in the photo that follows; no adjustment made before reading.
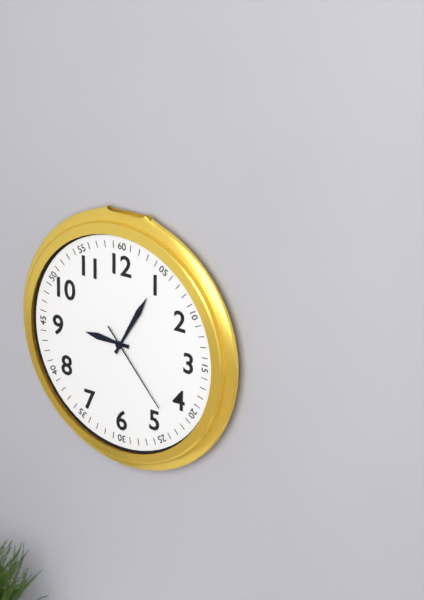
9:05:23
